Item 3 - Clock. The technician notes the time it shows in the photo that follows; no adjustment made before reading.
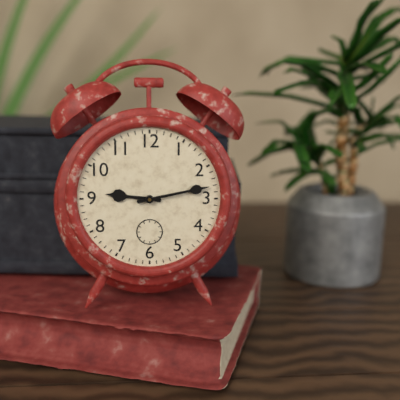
9:13
